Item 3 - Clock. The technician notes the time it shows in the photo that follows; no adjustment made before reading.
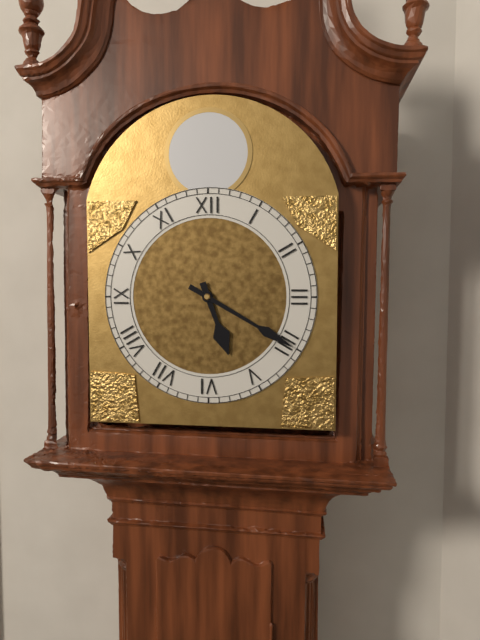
5:20
